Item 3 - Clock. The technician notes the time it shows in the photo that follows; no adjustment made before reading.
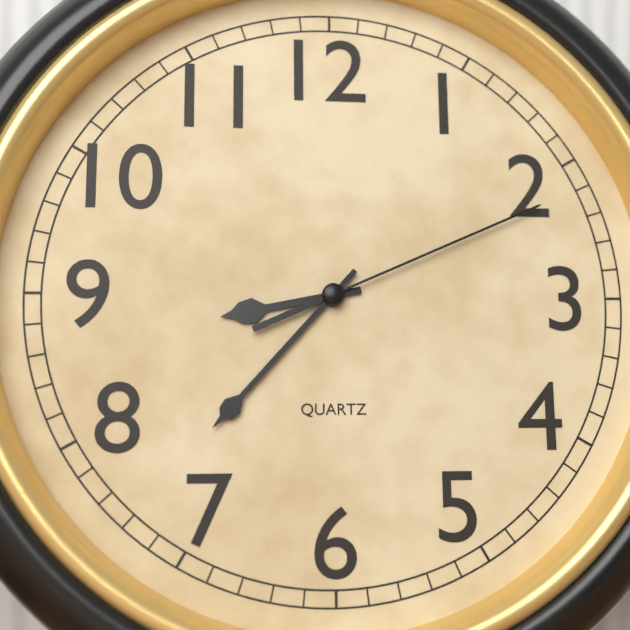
8:37:11
